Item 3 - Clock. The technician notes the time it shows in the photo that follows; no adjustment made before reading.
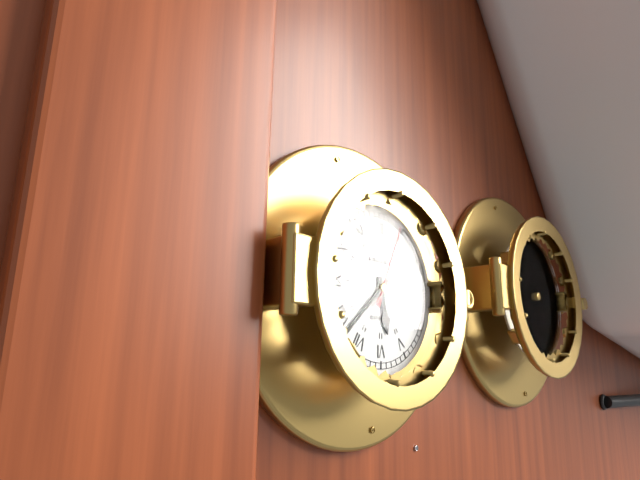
5:38:04
